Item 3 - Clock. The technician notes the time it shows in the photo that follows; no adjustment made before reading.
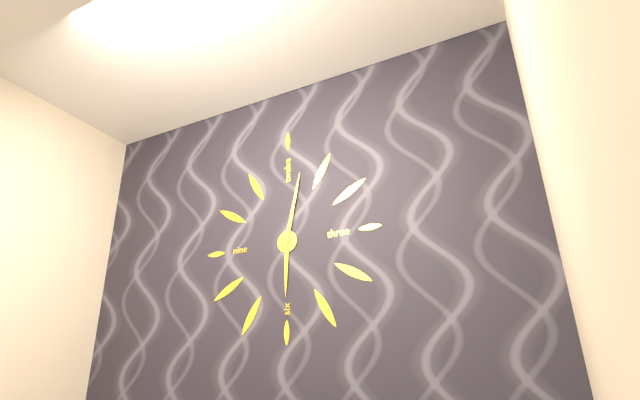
6:02
